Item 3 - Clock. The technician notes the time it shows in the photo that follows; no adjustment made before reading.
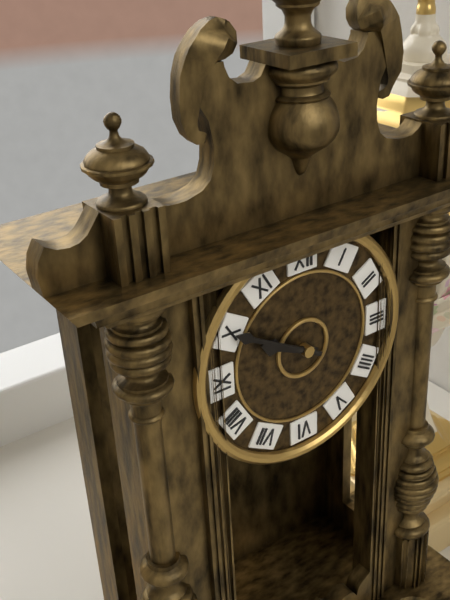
9:50
